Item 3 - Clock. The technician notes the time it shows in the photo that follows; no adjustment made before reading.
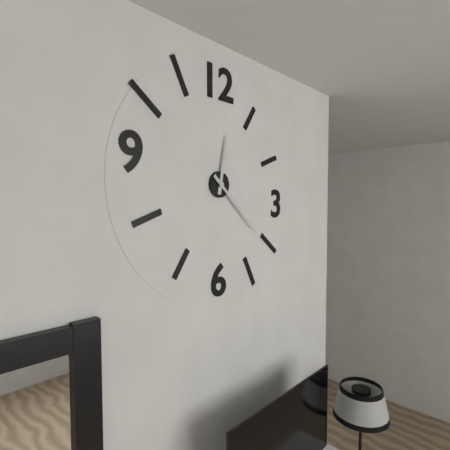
12:22
